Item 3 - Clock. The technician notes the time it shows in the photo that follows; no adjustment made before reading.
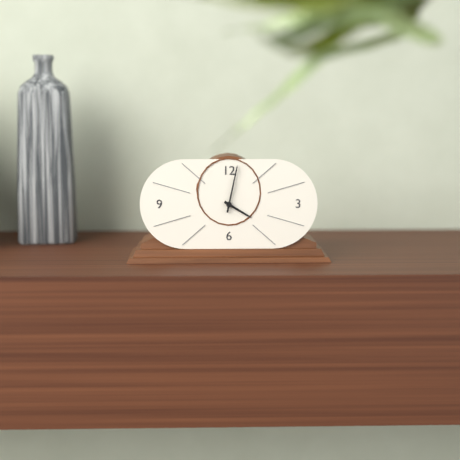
4:02
